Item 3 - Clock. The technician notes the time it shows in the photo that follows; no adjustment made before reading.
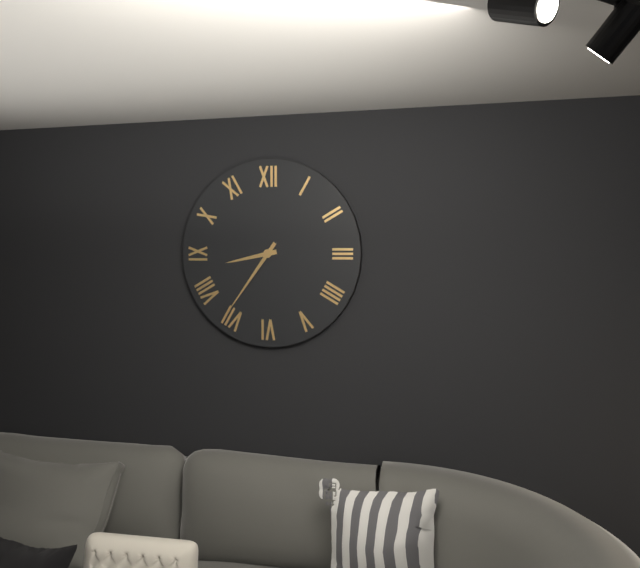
8:36
